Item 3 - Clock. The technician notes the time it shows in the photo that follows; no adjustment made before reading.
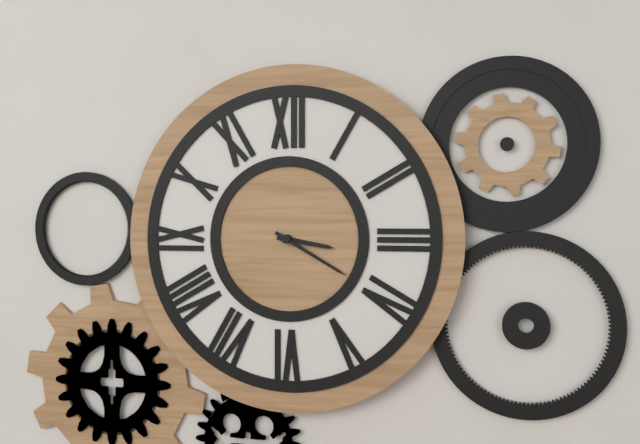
3:20
